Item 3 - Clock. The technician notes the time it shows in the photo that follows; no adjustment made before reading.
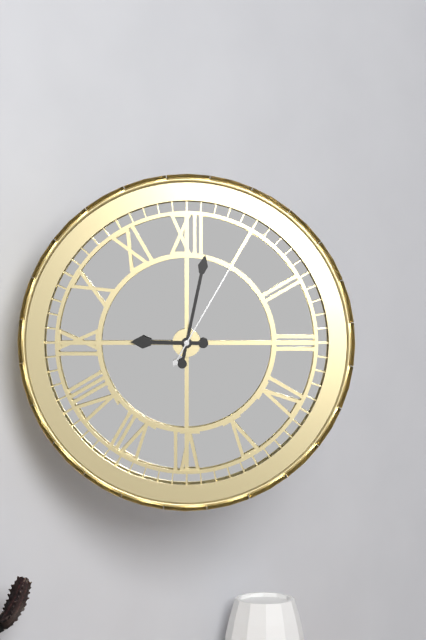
9:02:05
